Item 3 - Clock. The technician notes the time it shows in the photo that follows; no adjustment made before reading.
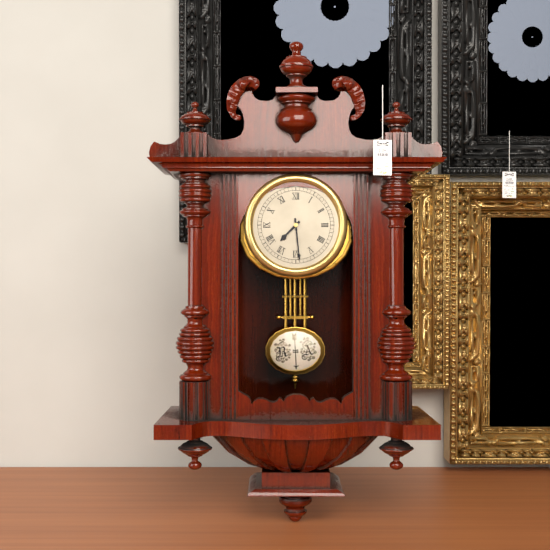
7:29
